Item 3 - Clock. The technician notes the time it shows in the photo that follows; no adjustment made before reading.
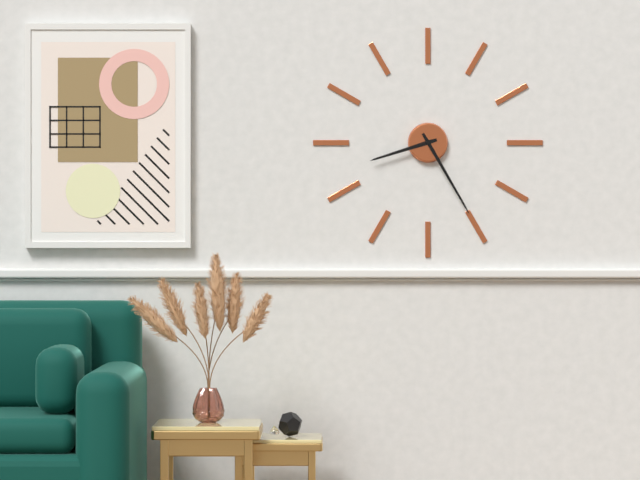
8:25
